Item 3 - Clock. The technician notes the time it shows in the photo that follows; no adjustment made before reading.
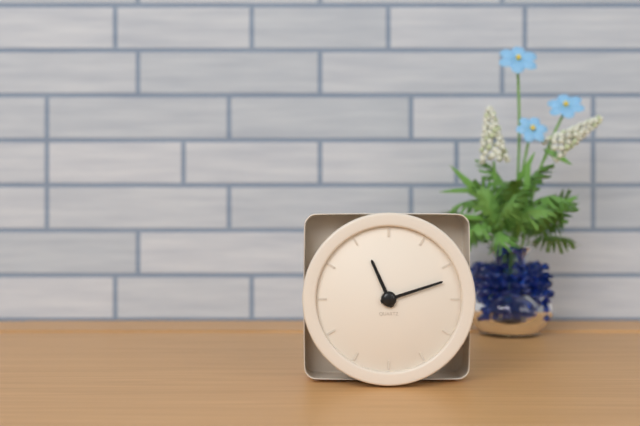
11:12
